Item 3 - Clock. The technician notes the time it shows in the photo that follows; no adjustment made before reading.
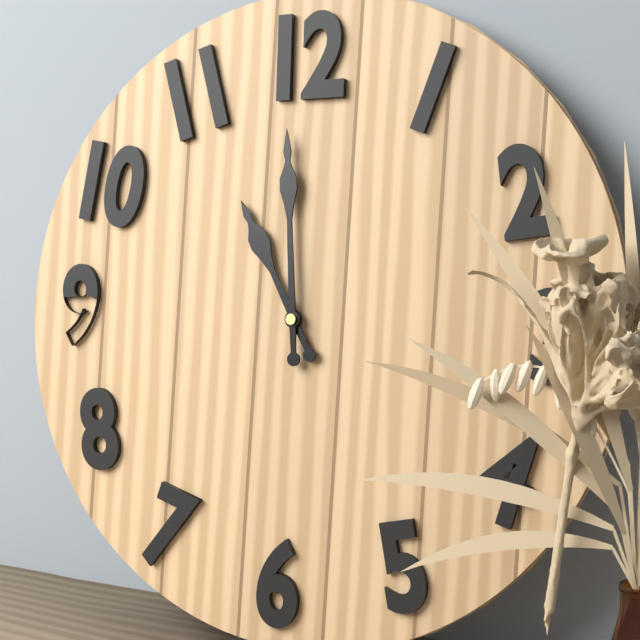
10:59
